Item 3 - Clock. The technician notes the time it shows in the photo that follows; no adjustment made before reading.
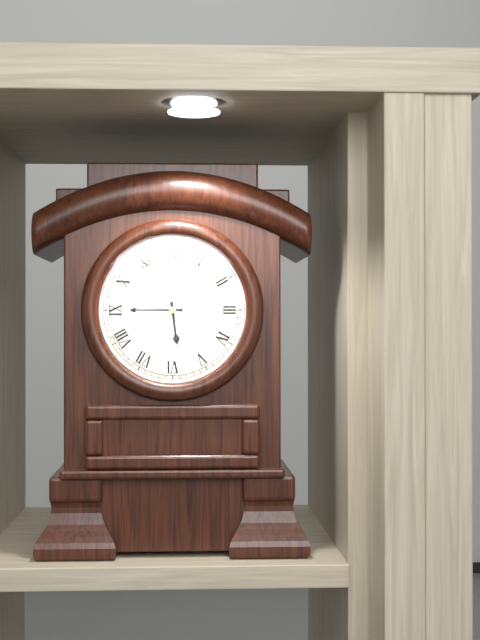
5:45
